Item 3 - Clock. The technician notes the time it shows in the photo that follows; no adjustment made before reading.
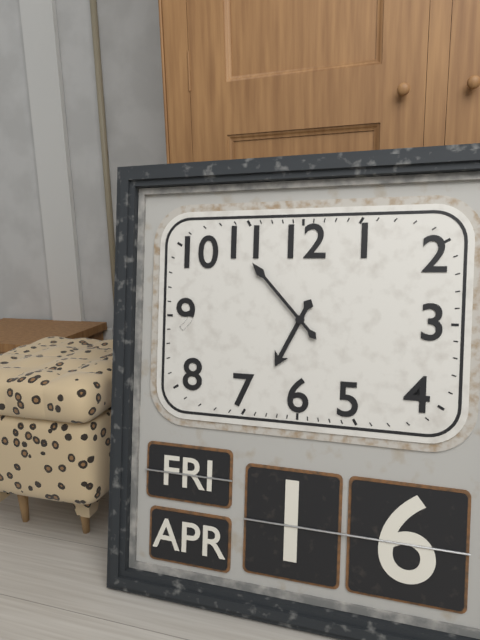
6:53
